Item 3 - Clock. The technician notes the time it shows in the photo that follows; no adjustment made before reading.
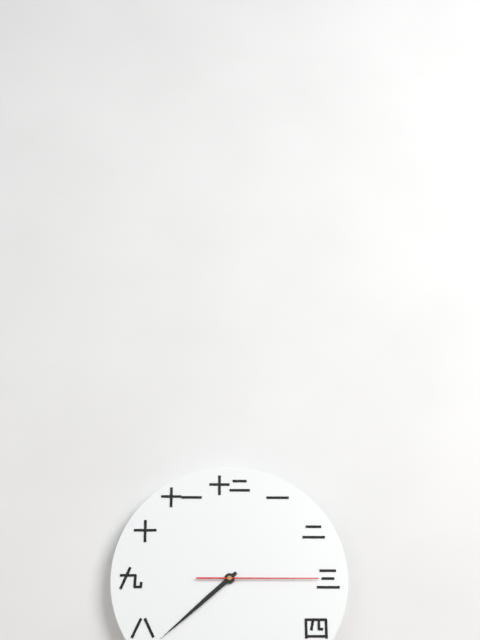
7:38:15
